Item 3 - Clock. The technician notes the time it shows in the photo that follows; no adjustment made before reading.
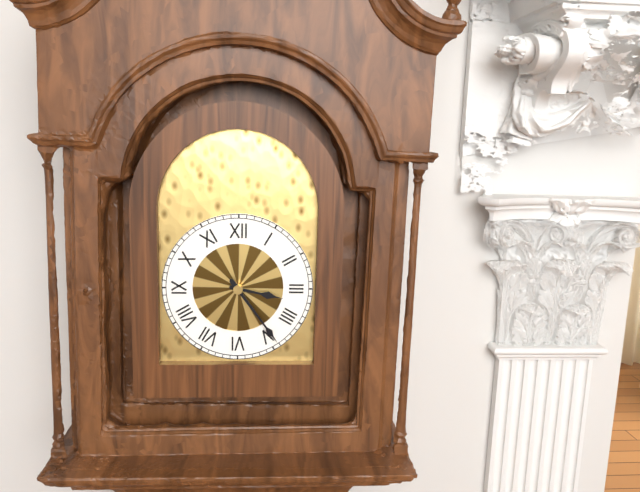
3:24
